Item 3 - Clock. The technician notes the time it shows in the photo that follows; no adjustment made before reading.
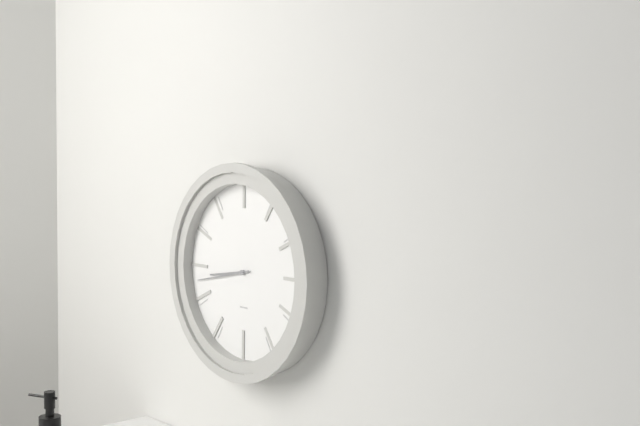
8:43
